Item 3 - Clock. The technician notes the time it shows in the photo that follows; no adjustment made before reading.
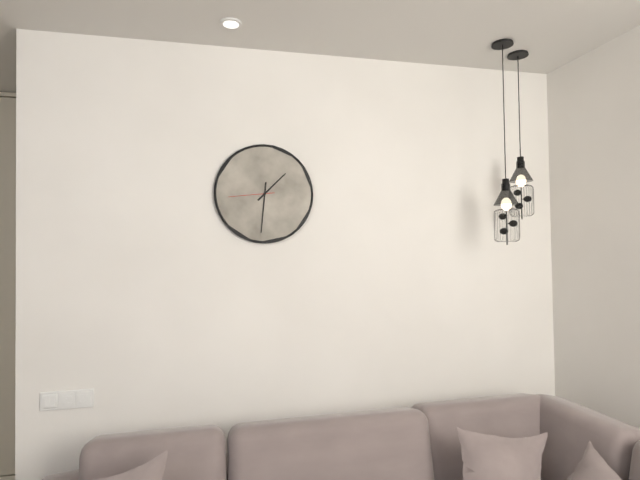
1:31
